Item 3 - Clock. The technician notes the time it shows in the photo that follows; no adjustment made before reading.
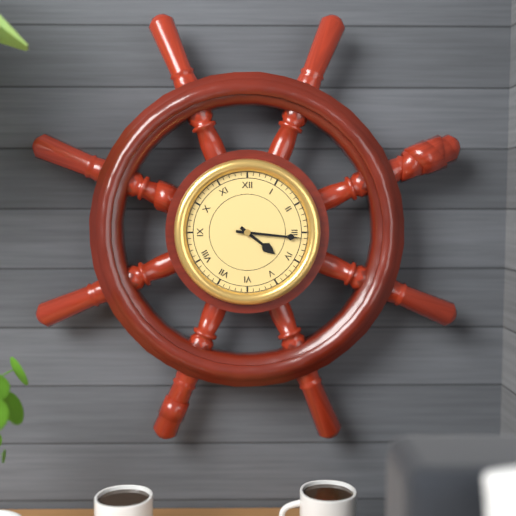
4:16
